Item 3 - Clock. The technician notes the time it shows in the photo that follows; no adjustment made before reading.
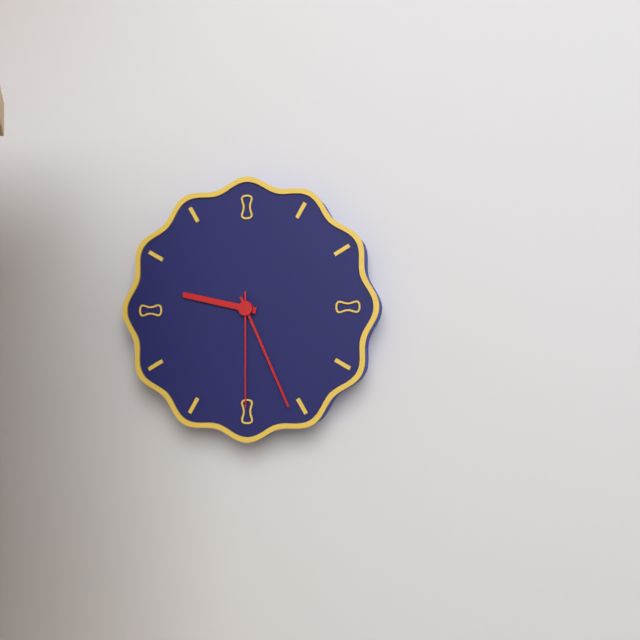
9:26:30
